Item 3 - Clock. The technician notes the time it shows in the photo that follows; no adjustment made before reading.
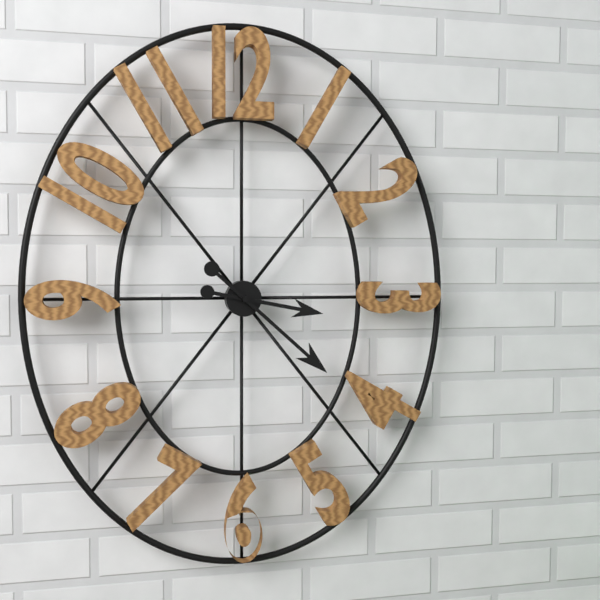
3:22
